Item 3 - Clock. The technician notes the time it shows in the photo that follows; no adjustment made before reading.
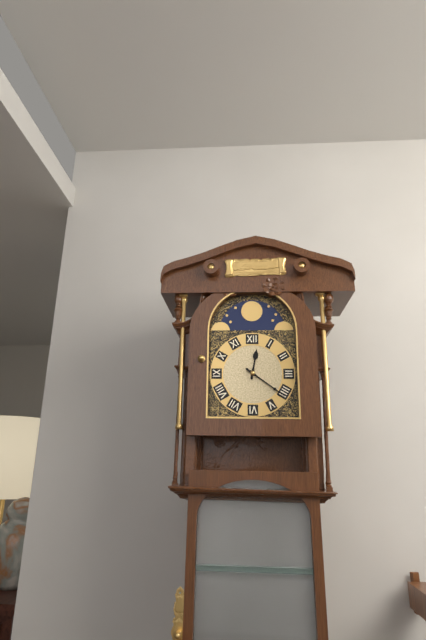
12:21
